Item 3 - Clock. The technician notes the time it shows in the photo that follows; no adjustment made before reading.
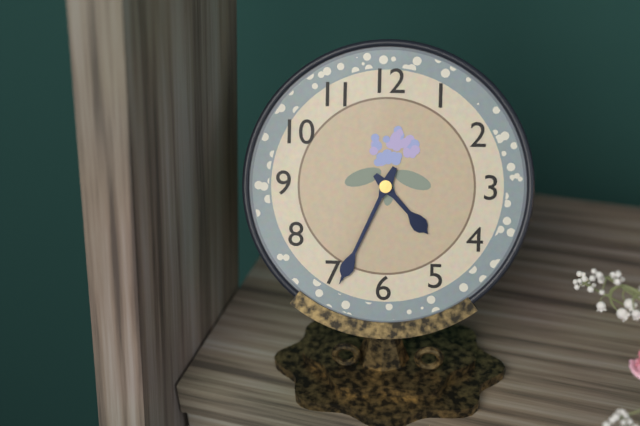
4:34
